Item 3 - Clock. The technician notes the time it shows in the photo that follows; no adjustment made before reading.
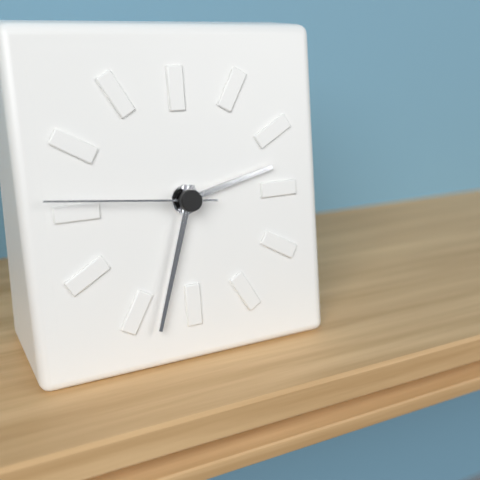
2:33:46
